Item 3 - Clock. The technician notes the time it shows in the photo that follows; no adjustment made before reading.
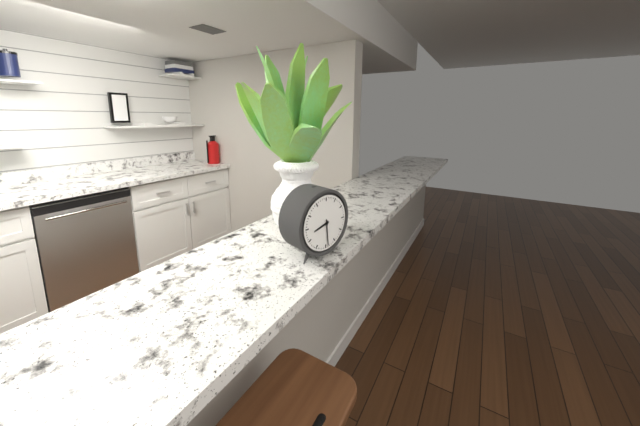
8:29
